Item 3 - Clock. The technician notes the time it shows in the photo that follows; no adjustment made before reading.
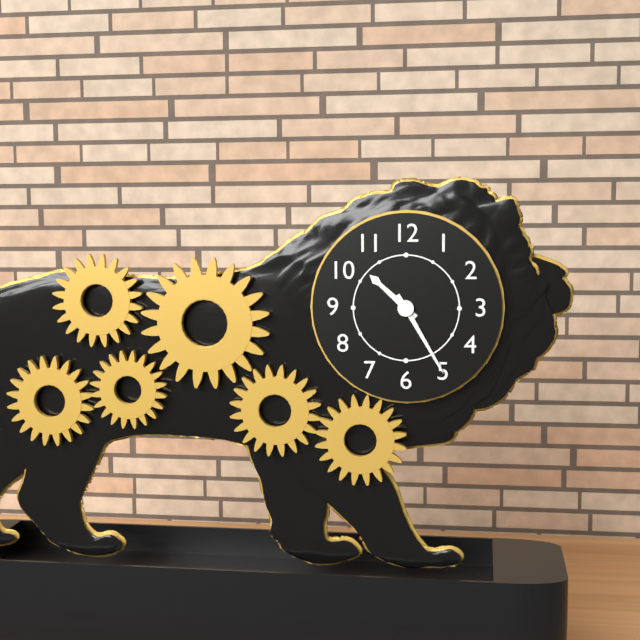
10:25
